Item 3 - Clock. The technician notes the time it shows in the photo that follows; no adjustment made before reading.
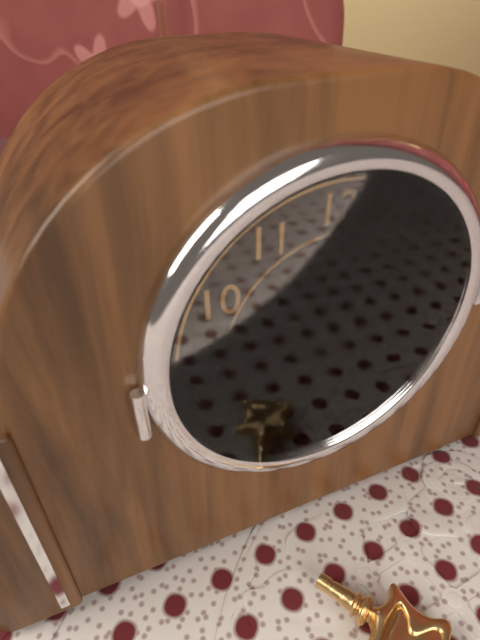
7:12
